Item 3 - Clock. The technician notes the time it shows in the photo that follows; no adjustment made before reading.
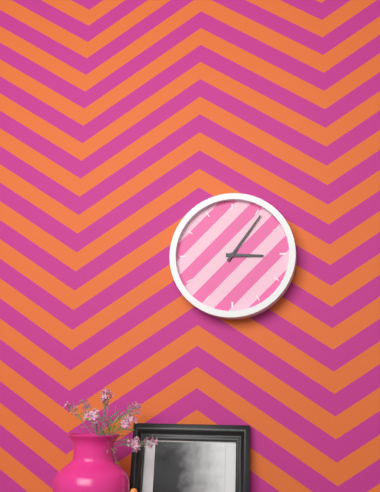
3:06
